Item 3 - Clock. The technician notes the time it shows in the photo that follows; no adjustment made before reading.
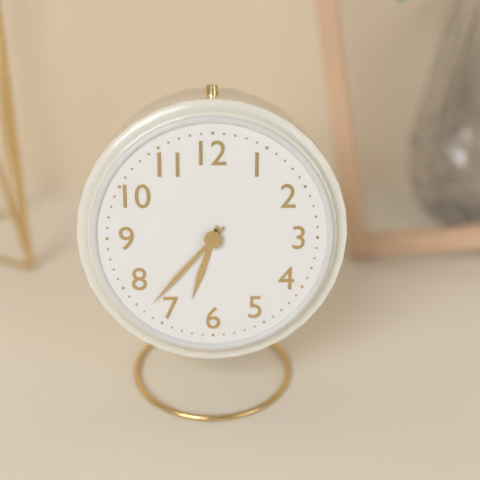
6:37
